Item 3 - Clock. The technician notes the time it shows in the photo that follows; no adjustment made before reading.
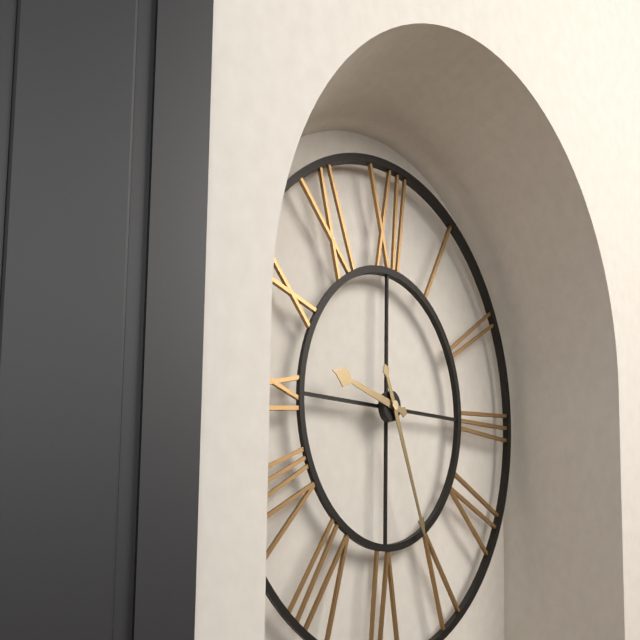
9:26
